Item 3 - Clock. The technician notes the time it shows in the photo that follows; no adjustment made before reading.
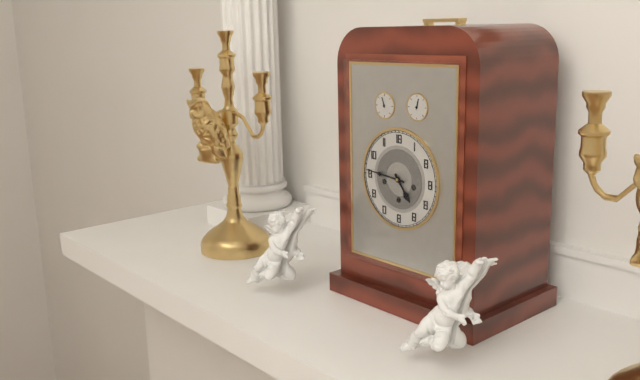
4:46
